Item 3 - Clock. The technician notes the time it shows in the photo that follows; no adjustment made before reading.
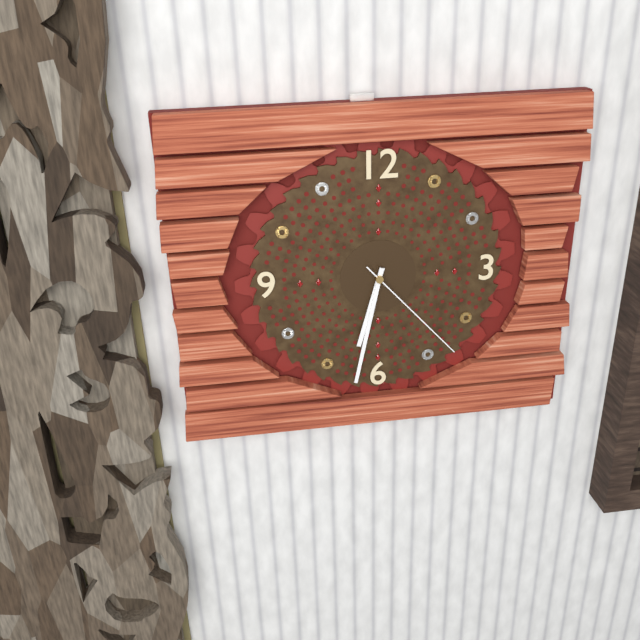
6:32:23
